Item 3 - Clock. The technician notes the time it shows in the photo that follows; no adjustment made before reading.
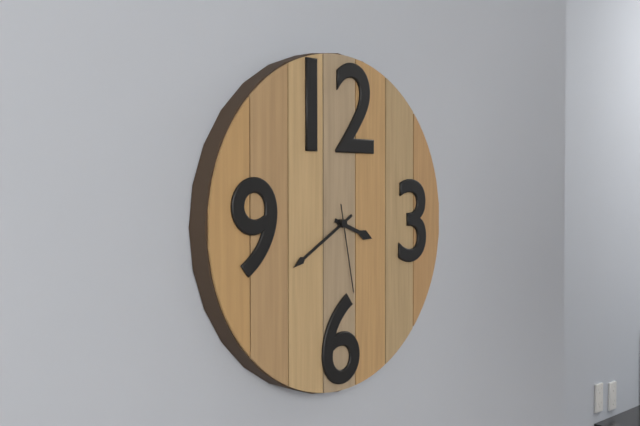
3:40:28
